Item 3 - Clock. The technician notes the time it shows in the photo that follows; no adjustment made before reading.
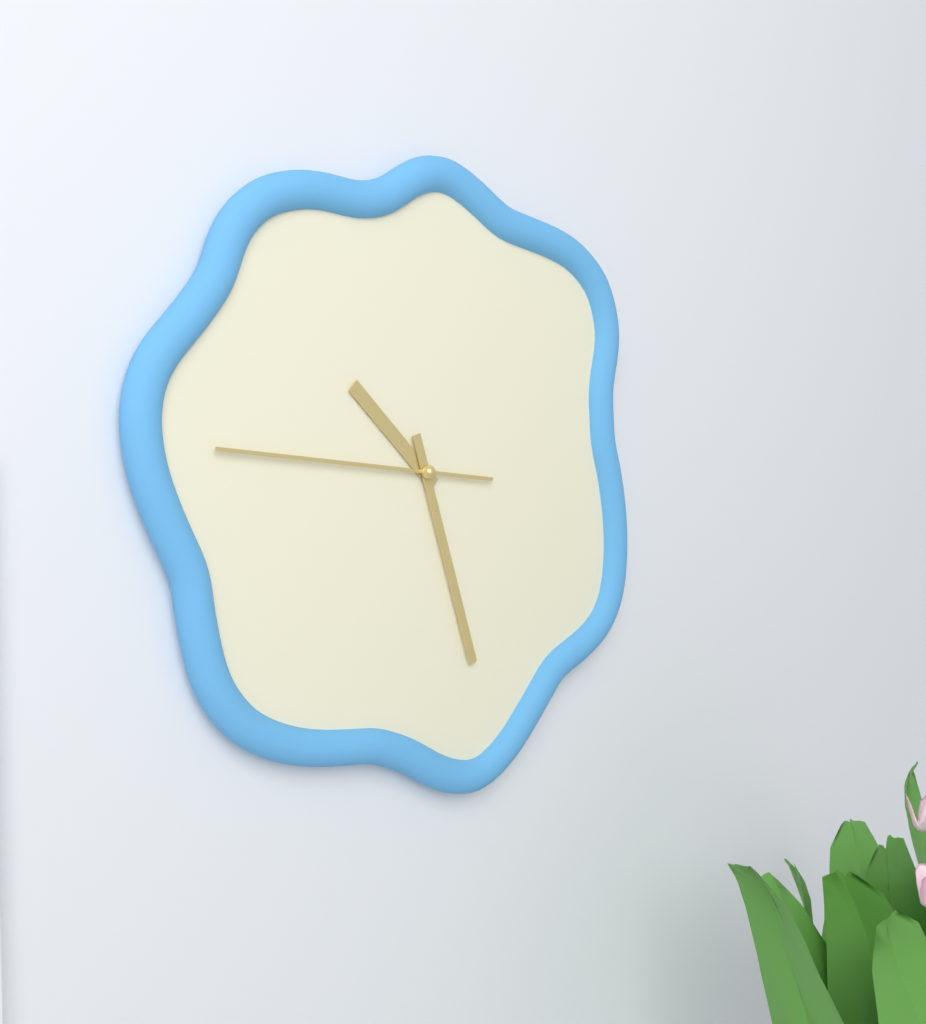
10:27:46
